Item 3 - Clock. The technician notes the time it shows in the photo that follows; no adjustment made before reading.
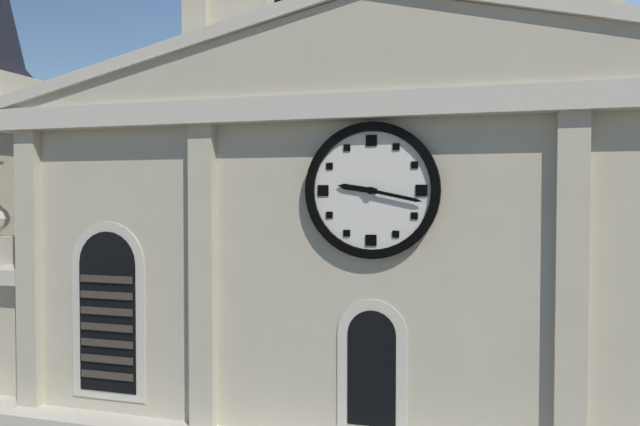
9:17
